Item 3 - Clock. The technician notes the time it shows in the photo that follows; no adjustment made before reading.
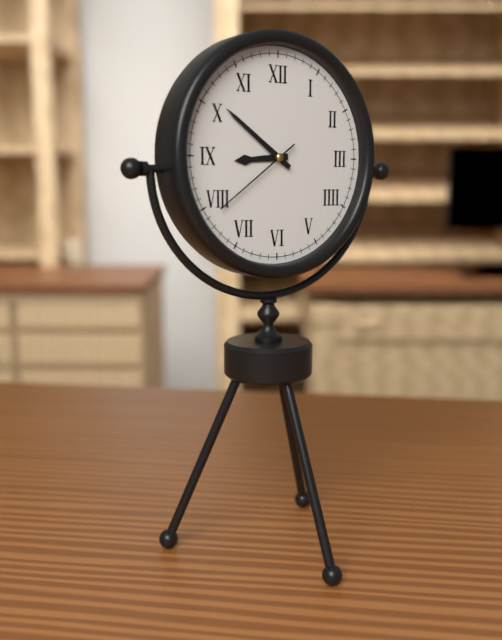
8:51:39
